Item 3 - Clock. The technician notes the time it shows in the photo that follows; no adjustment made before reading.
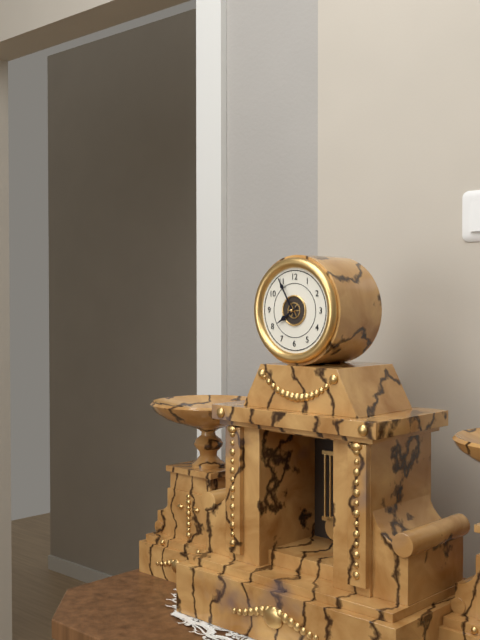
7:55
